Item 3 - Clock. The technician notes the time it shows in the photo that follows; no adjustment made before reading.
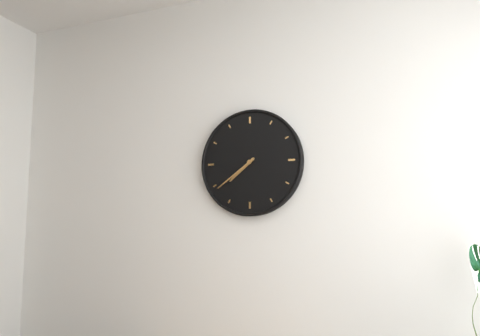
7:39
